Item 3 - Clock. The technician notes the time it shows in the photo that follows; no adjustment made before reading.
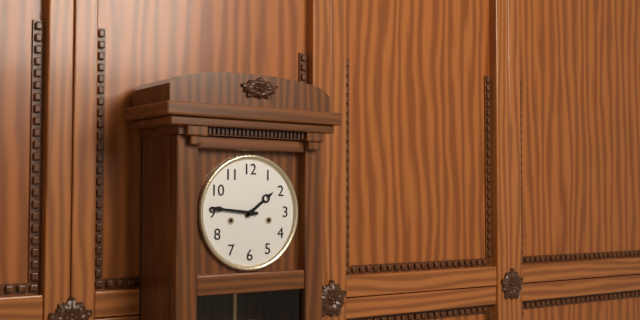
1:46
